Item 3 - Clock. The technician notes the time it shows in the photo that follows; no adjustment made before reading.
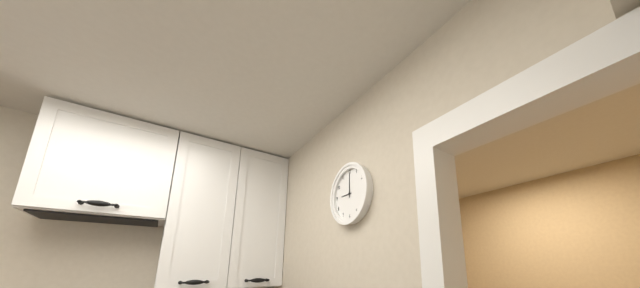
9:00
